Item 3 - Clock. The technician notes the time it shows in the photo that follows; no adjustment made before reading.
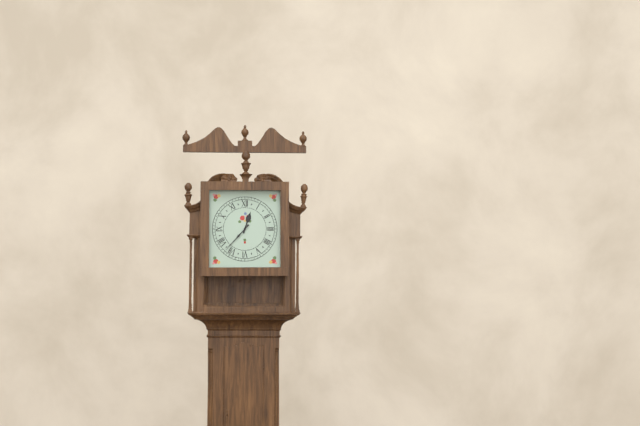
12:37
